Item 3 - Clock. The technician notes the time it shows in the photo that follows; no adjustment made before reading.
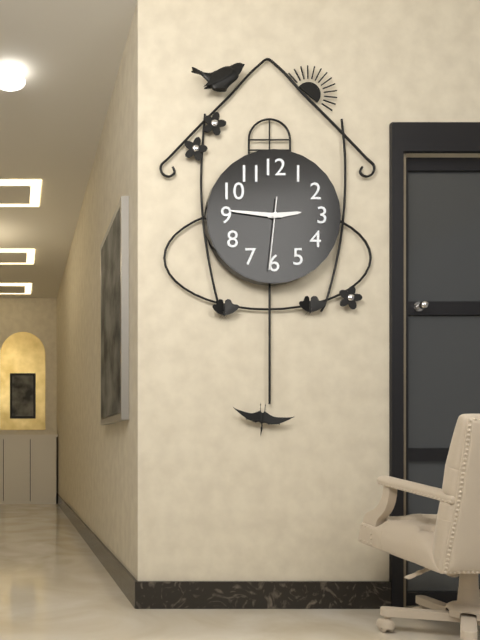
2:46:31
